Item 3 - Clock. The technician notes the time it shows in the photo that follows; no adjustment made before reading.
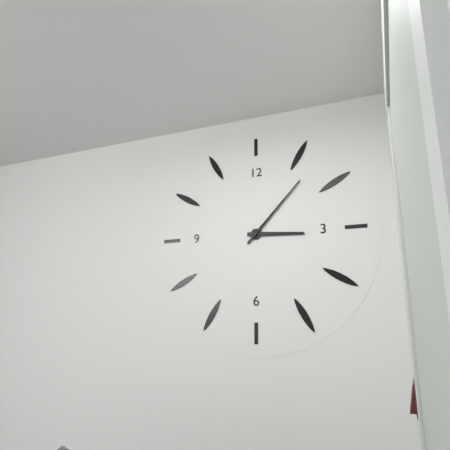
3:07
